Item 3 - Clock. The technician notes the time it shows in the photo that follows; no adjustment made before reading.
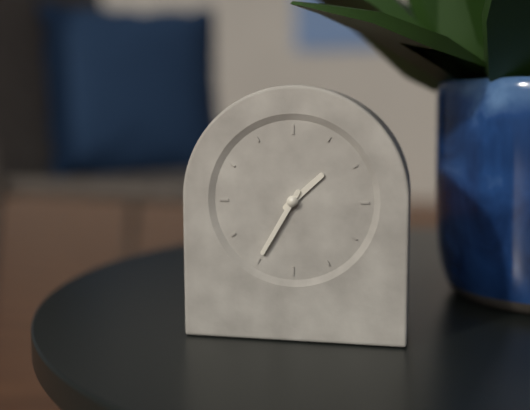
1:35
